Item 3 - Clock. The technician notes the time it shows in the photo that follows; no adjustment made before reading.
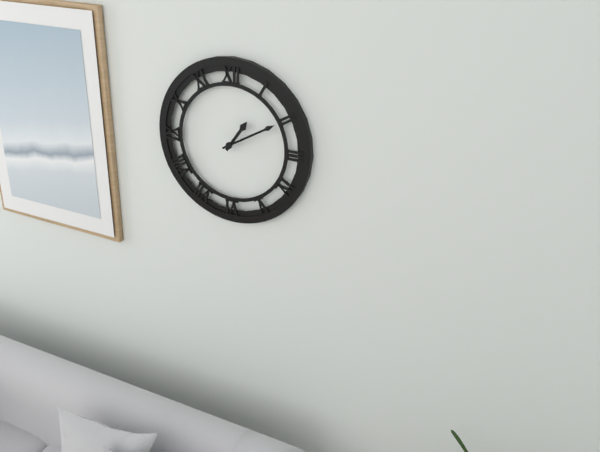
1:10
